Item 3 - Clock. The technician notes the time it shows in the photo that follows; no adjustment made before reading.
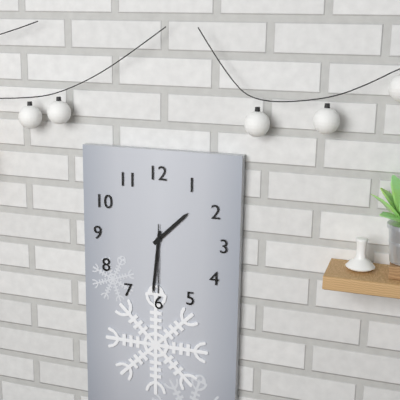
1:31:30
